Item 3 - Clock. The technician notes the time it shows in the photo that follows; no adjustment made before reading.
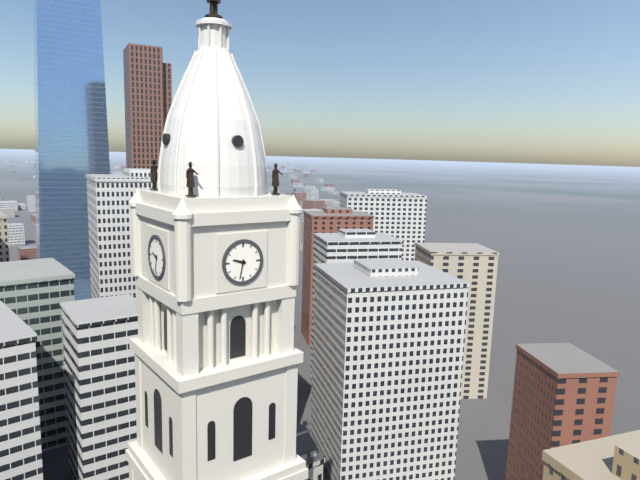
9:32
